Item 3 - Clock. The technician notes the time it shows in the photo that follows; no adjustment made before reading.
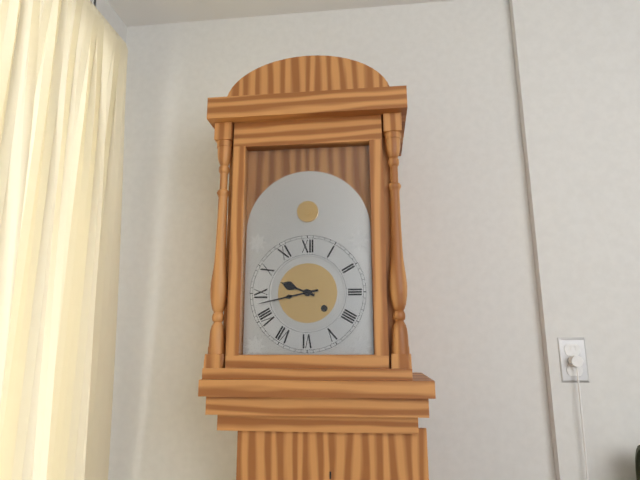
9:43
